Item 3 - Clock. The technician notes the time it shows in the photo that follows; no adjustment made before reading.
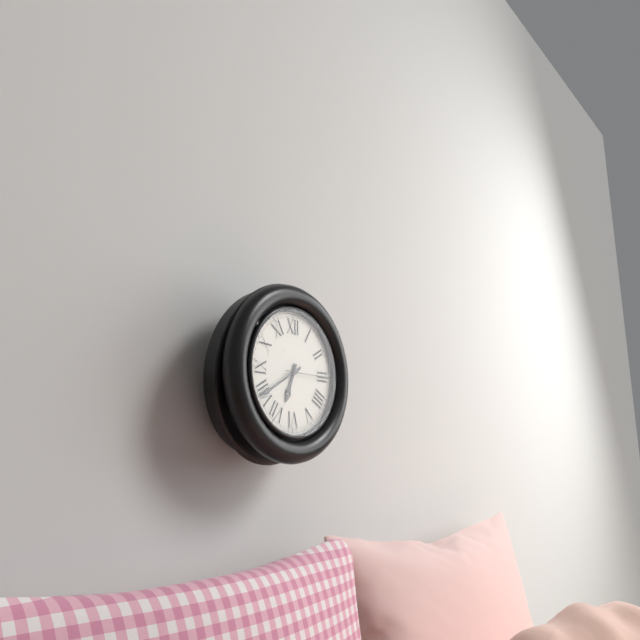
6:40
